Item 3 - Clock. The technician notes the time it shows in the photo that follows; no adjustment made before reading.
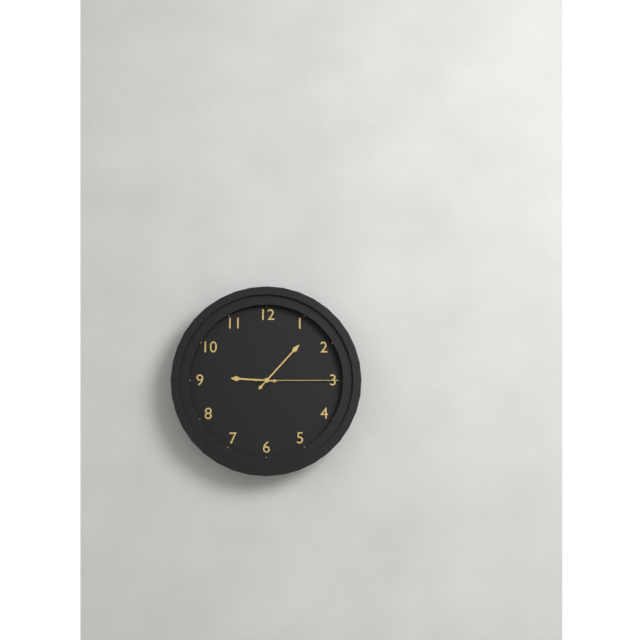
9:07:15
